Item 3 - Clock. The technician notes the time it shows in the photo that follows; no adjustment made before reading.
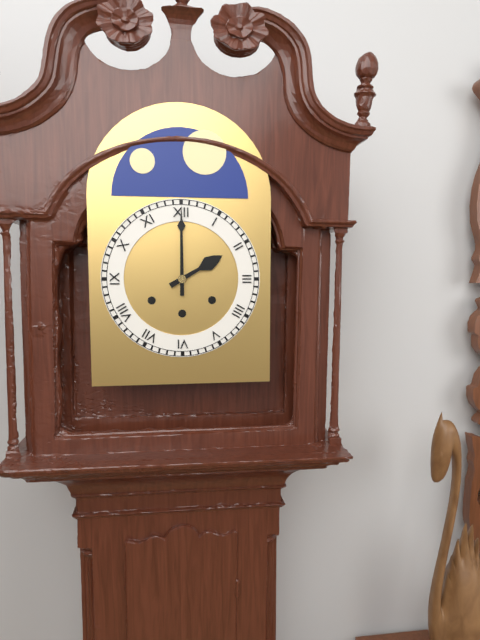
2:00
